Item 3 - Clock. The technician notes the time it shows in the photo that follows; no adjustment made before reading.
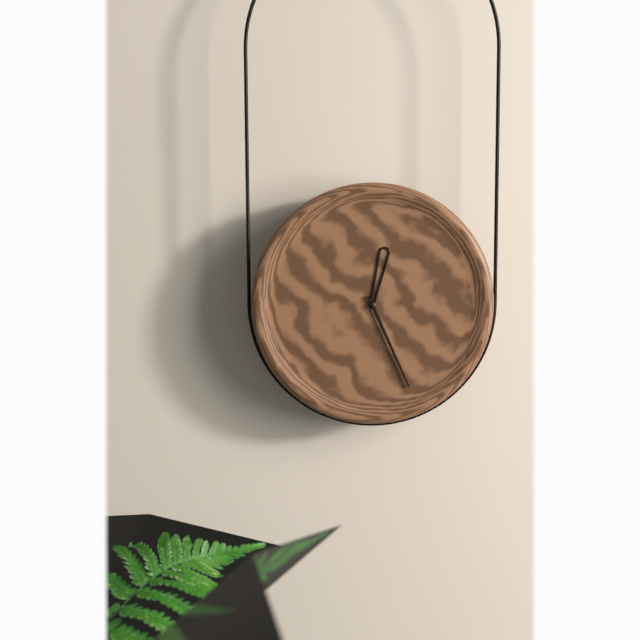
12:26
